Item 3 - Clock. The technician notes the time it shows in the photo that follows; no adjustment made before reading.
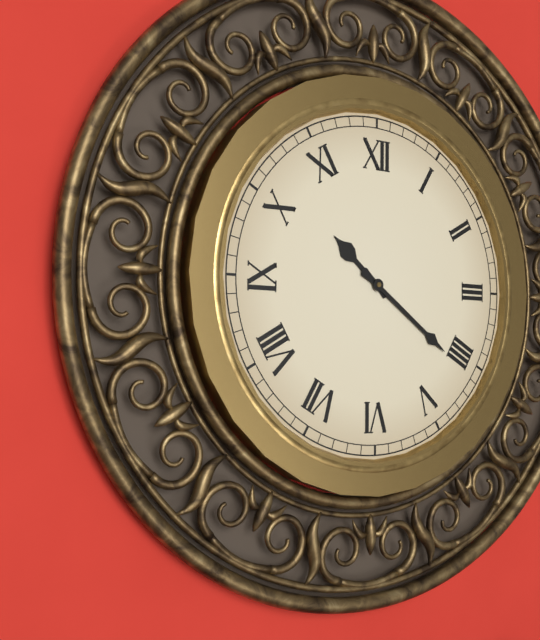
10:21
